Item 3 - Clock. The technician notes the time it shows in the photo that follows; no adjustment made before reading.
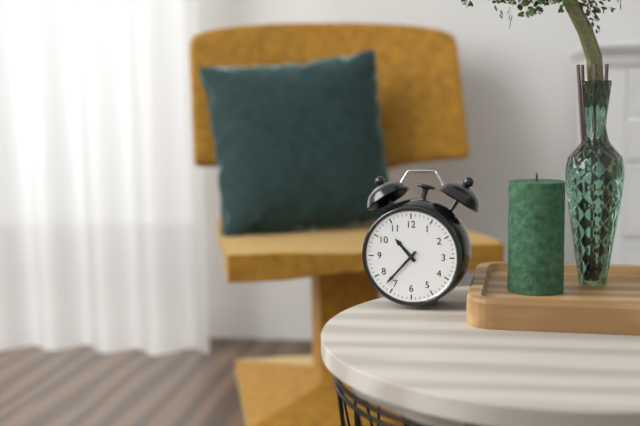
10:37
